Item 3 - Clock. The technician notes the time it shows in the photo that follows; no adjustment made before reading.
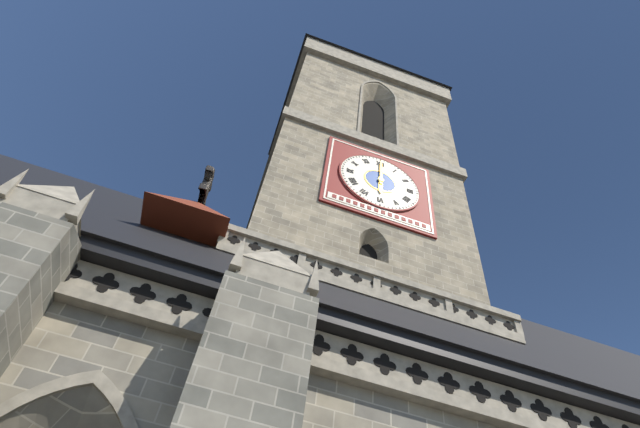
6:00
